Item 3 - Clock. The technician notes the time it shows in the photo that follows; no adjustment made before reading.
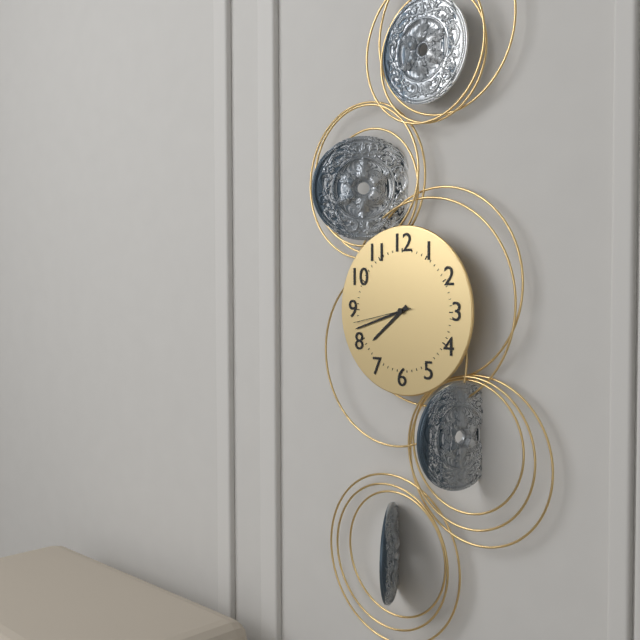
7:42:43
